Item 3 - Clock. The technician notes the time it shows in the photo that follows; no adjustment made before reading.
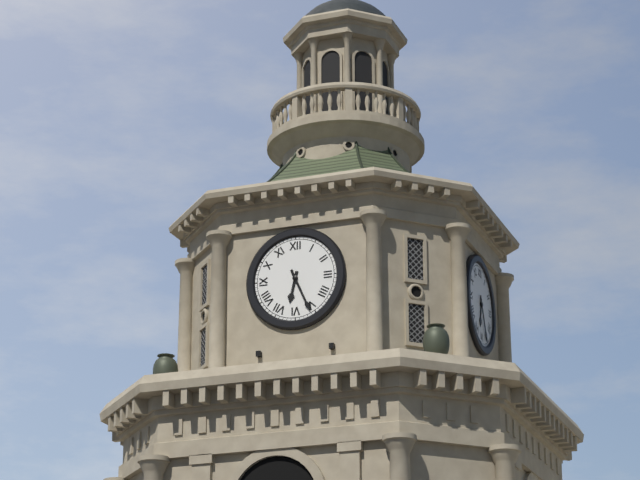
6:26
